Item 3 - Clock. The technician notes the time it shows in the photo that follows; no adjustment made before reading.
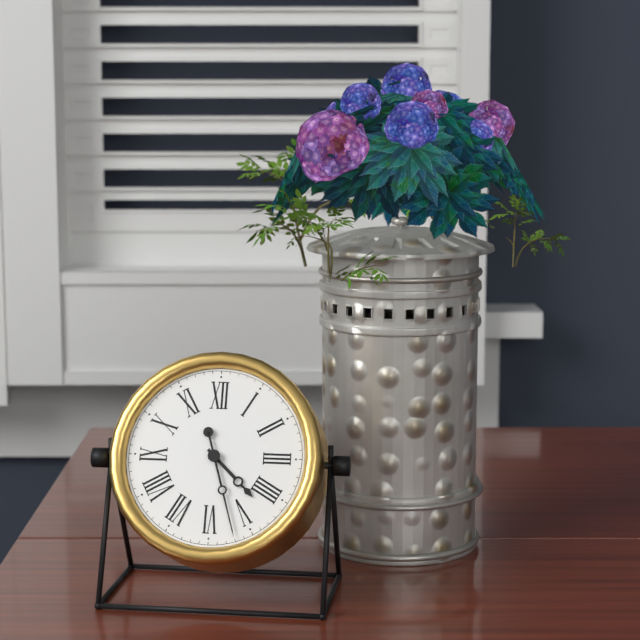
4:27
